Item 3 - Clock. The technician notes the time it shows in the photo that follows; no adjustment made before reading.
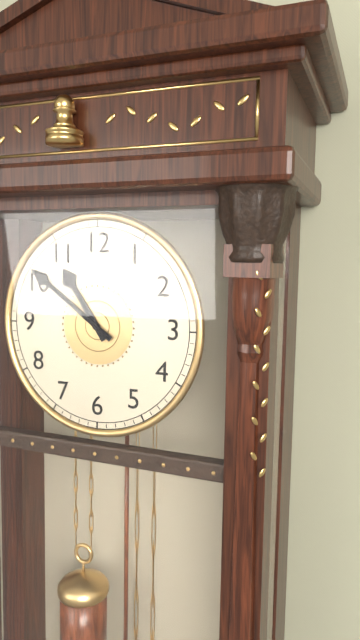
10:51
